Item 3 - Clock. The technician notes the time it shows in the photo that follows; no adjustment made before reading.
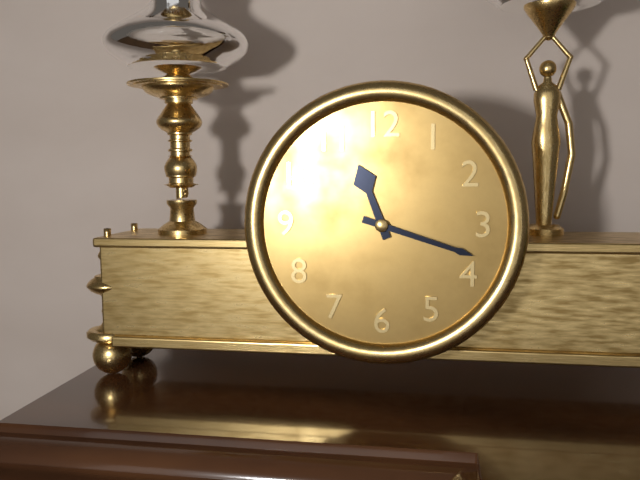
11:18
